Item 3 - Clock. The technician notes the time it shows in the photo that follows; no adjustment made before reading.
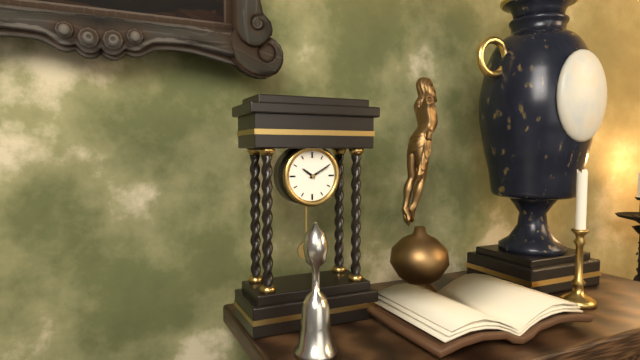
10:10
